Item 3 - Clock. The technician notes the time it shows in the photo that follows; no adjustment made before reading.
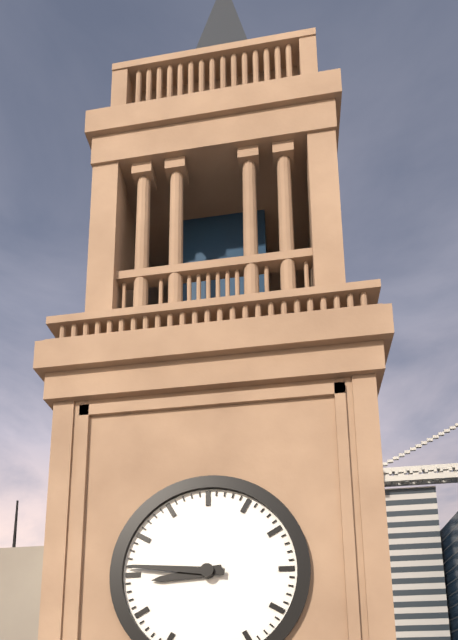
8:46
